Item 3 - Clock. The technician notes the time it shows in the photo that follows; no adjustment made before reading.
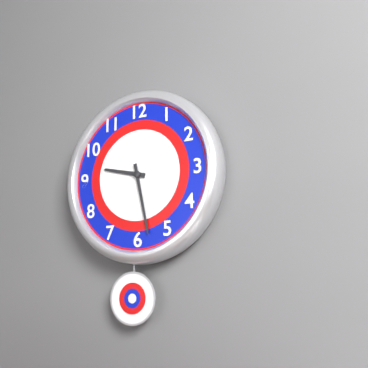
9:28
